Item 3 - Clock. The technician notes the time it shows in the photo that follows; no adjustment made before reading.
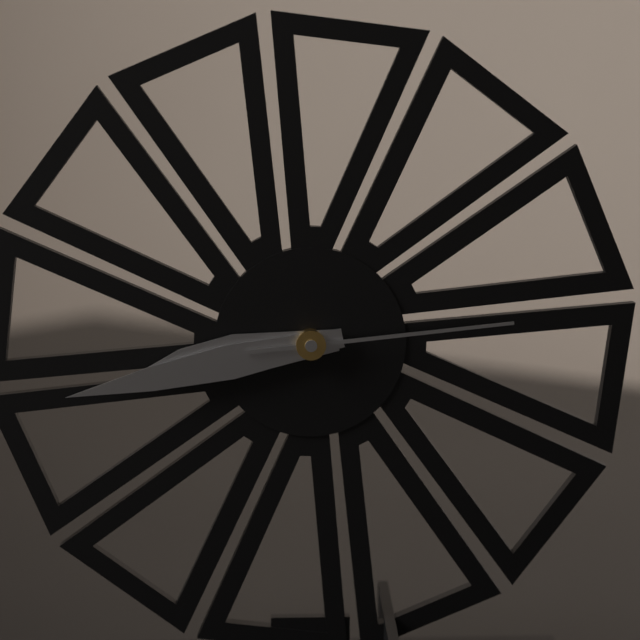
8:43:14
